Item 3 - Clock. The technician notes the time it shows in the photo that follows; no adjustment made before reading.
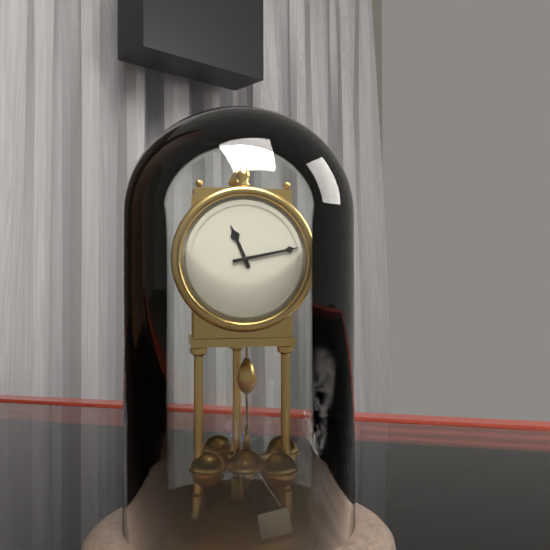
11:13
